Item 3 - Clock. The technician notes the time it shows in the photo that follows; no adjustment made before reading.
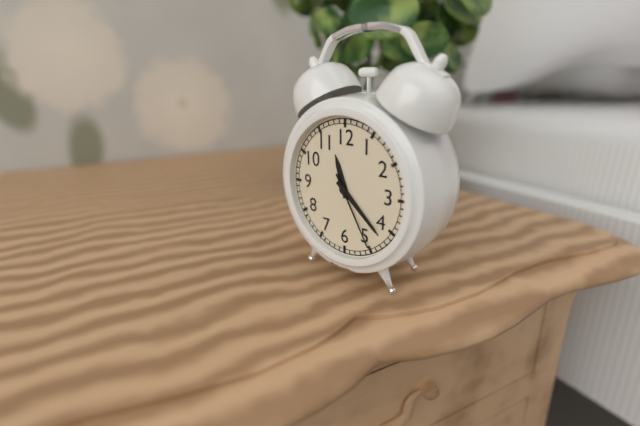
11:22:25
